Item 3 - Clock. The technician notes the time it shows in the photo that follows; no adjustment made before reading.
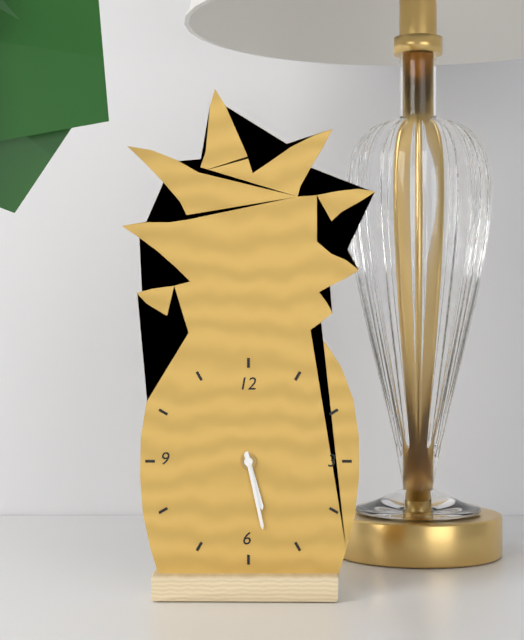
5:28
